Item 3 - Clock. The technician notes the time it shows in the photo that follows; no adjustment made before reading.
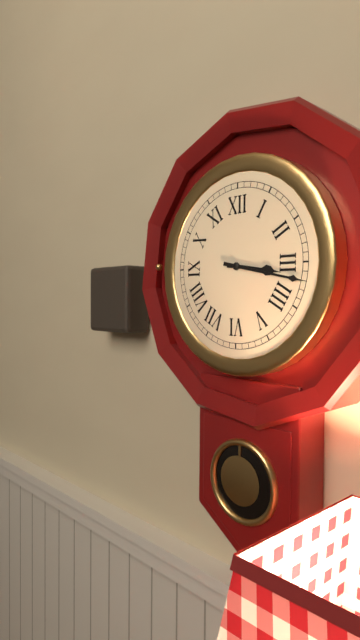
3:17
